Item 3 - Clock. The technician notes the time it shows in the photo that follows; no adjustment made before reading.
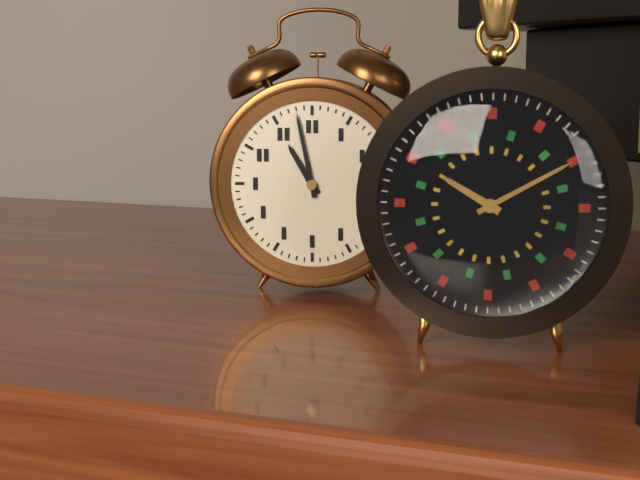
10:58
